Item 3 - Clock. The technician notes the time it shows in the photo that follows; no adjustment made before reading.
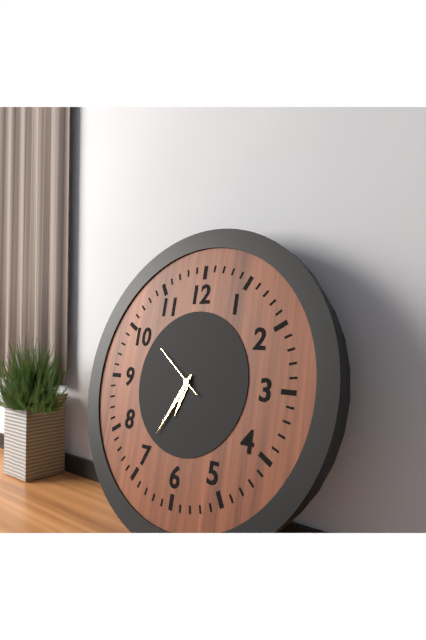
6:35:51
